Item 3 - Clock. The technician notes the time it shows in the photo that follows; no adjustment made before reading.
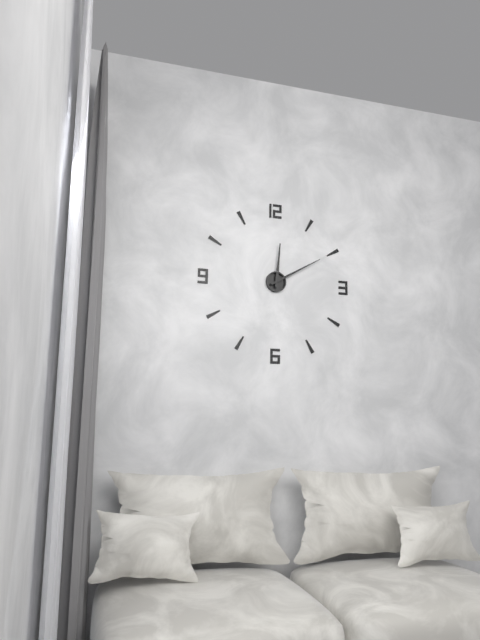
12:10
